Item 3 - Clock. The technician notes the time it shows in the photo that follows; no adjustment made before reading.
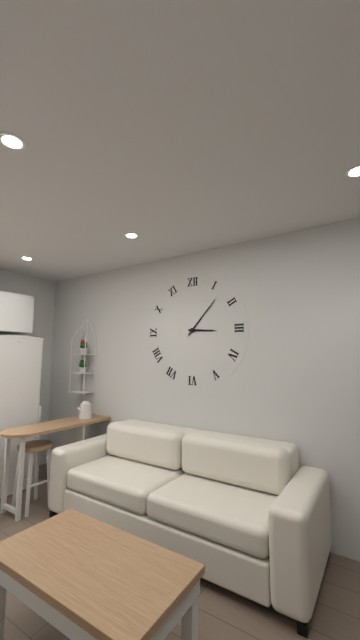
3:07
